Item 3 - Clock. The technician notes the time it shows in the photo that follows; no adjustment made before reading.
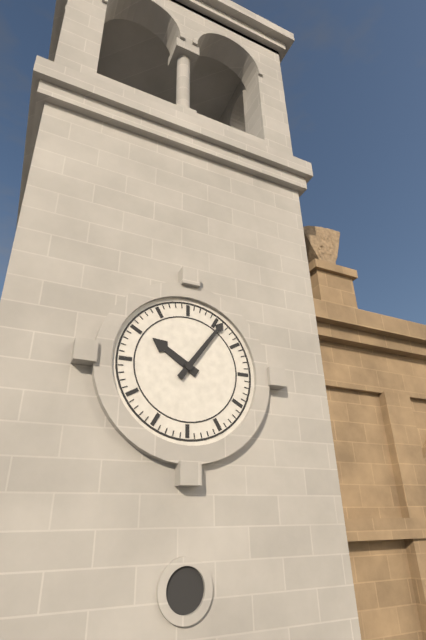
10:06
